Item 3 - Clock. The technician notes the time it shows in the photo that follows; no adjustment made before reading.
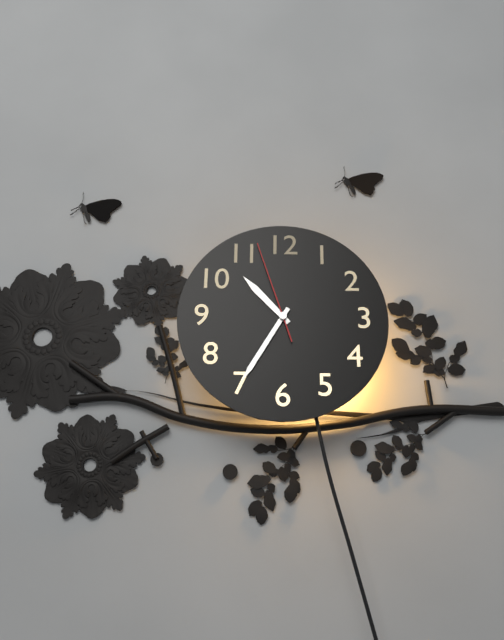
10:35:57
